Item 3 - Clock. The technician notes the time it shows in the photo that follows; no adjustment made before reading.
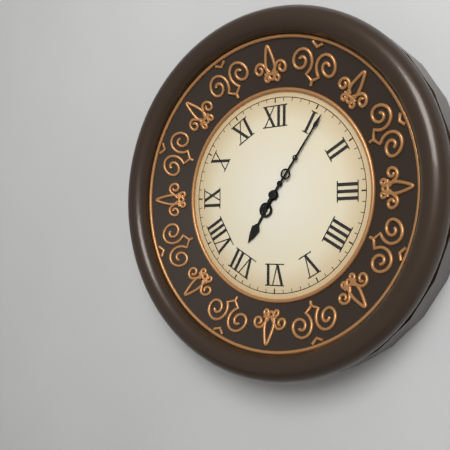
7:06
